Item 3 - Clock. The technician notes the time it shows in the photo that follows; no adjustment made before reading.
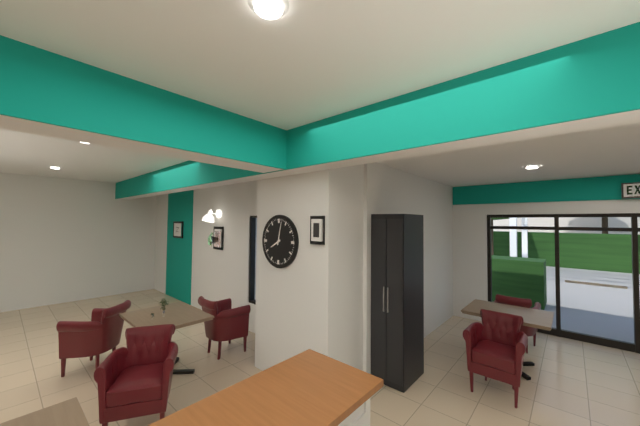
8:02
